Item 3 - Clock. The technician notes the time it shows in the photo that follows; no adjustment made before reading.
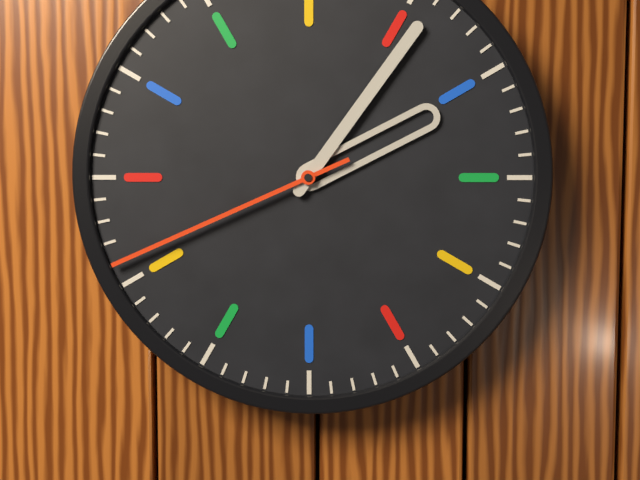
2:06:41
